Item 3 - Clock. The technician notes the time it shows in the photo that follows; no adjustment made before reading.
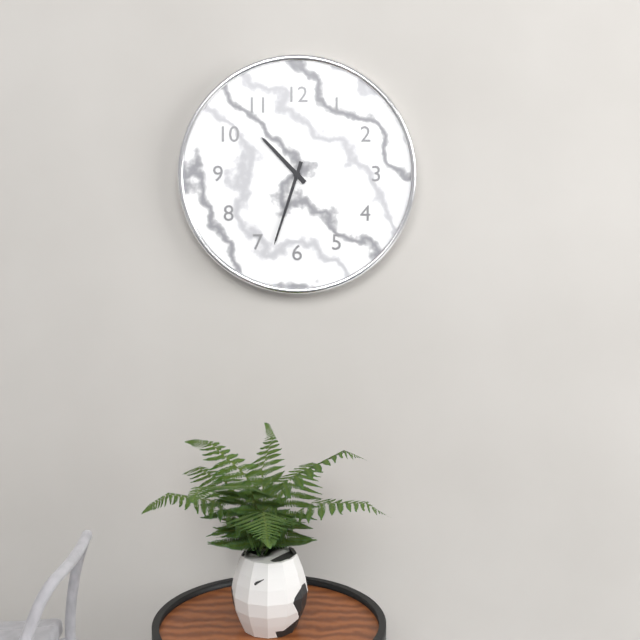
10:33
